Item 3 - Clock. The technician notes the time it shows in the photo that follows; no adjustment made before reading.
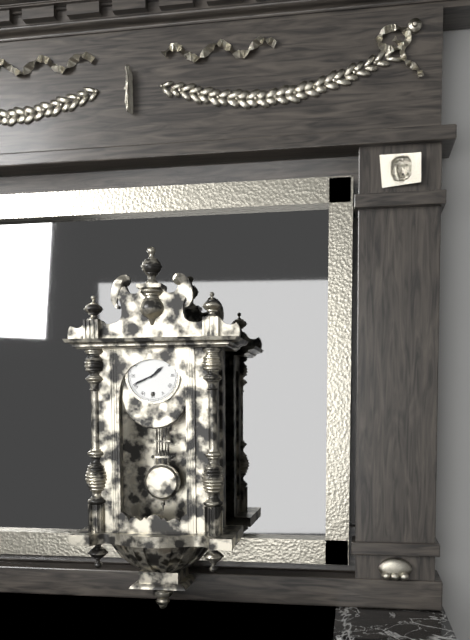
1:41
